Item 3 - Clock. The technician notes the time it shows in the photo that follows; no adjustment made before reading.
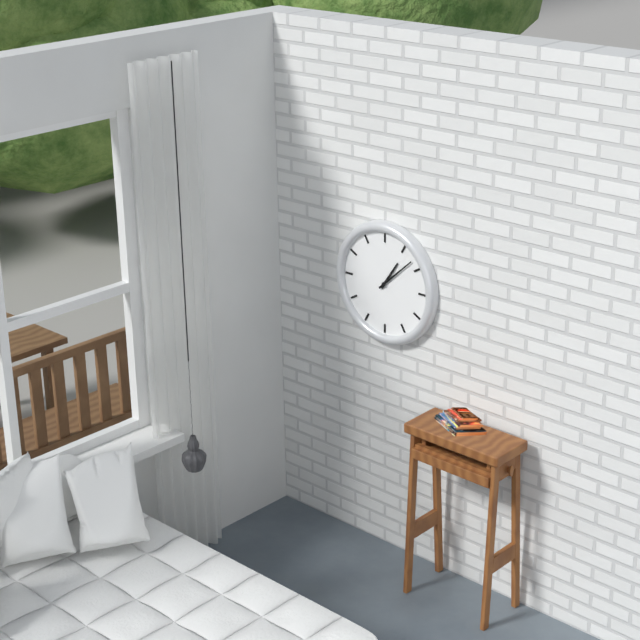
1:08
